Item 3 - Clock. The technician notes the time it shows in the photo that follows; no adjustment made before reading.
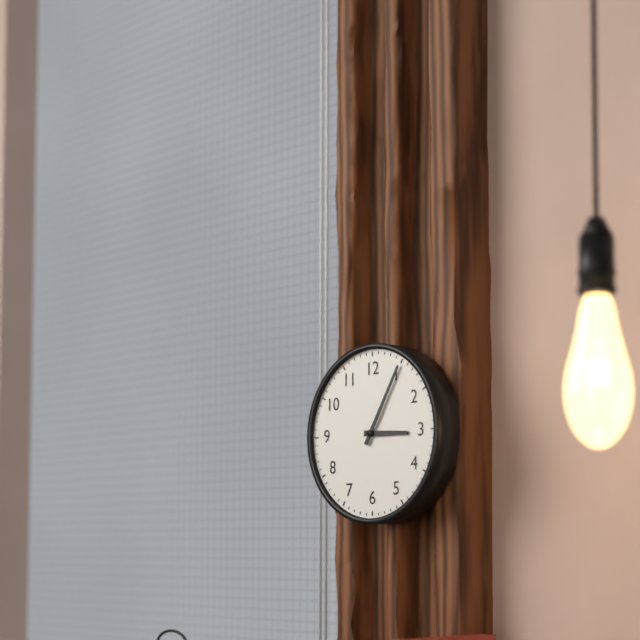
3:05
